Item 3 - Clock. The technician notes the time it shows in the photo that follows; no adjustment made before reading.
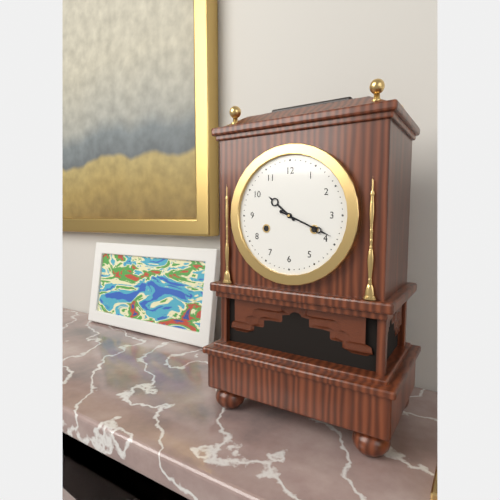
10:19
